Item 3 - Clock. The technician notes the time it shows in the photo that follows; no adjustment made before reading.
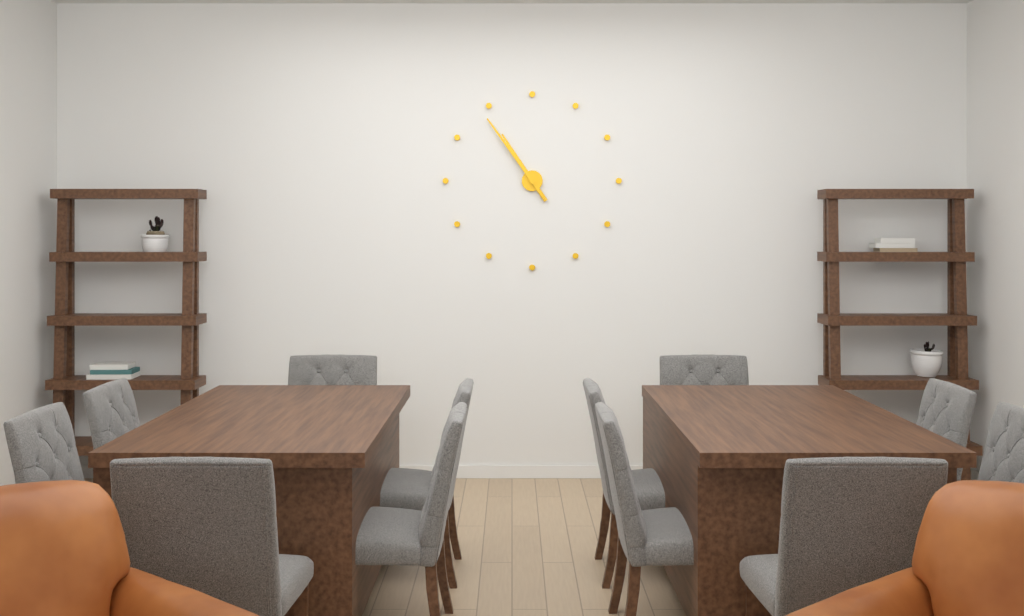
10:54
